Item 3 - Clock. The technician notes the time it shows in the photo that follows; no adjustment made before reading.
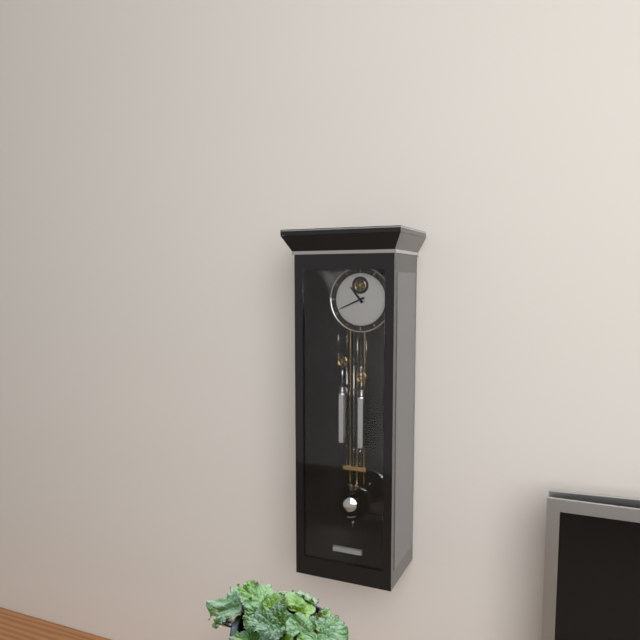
10:41
